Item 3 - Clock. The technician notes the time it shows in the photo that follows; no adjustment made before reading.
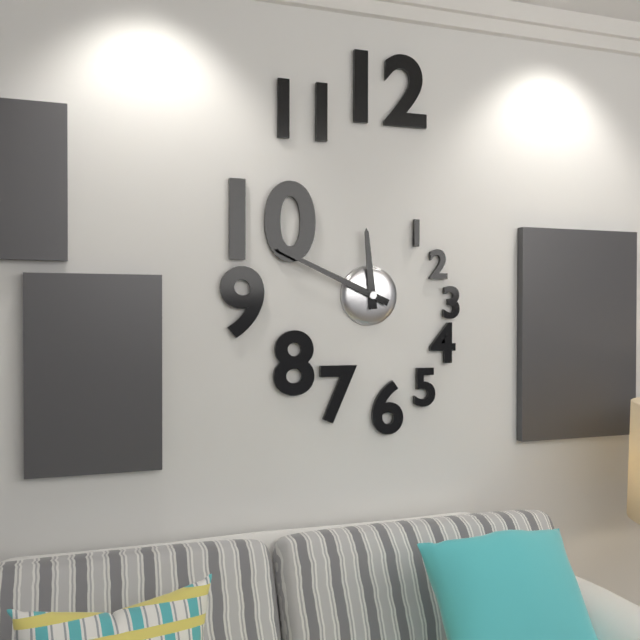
11:49
